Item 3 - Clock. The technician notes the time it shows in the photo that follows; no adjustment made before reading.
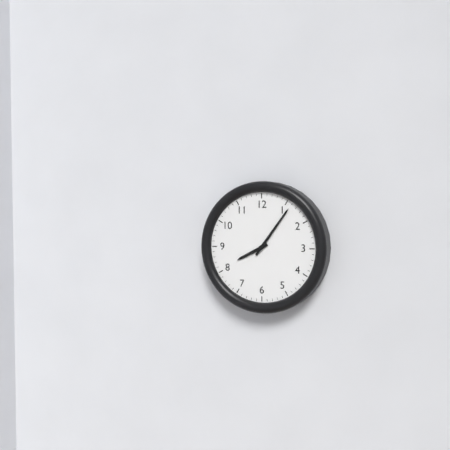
8:06
